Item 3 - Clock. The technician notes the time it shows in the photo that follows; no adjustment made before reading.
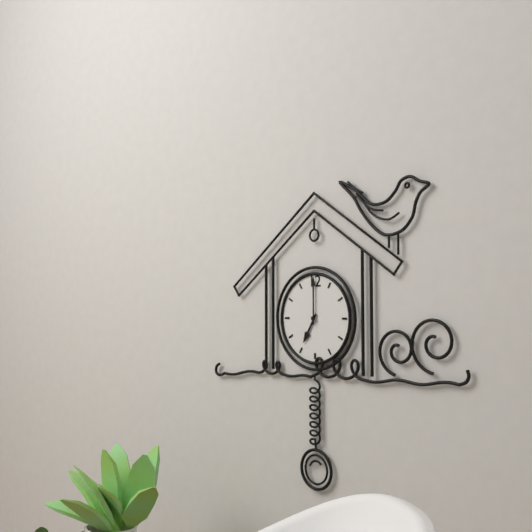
7:00
